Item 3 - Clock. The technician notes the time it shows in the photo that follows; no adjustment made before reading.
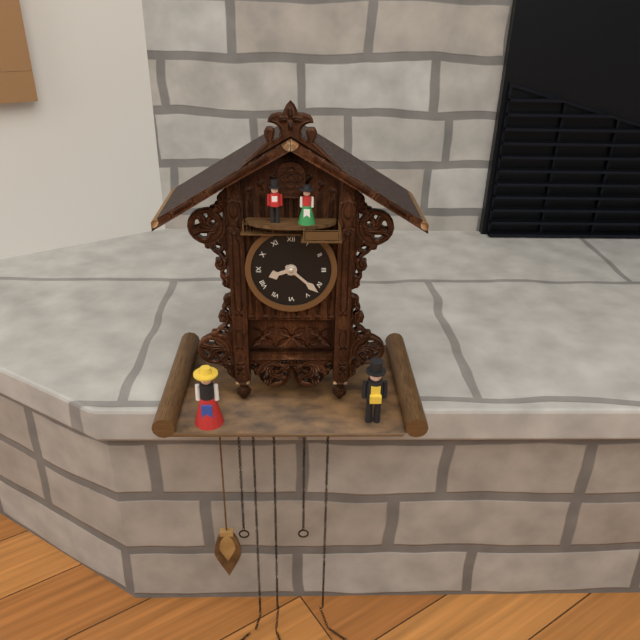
8:22
